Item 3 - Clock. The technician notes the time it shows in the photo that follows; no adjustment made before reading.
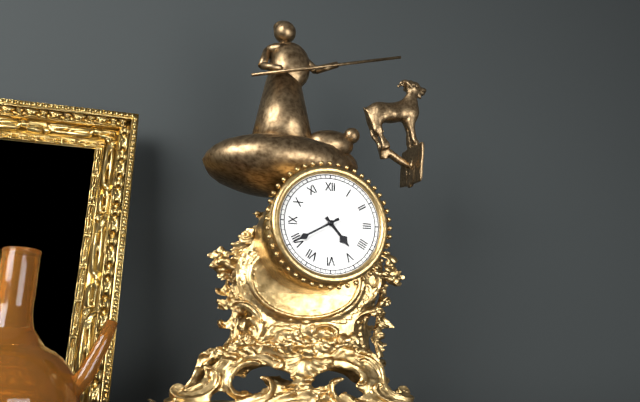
4:40
